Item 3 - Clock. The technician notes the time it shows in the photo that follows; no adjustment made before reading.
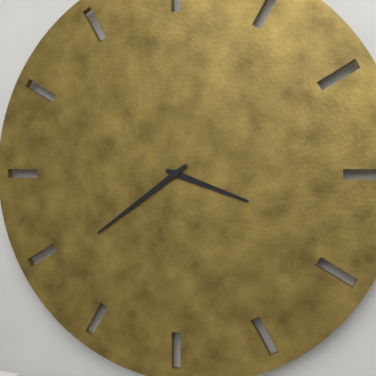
3:39
